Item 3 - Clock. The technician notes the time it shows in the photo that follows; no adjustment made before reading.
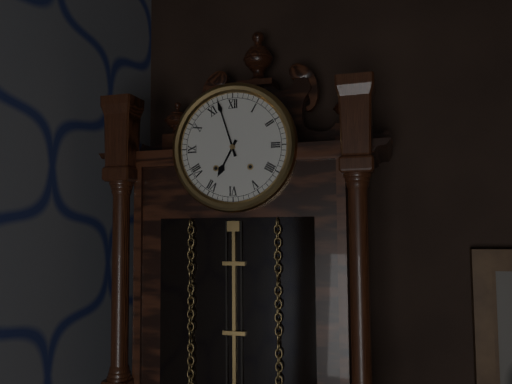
6:57
